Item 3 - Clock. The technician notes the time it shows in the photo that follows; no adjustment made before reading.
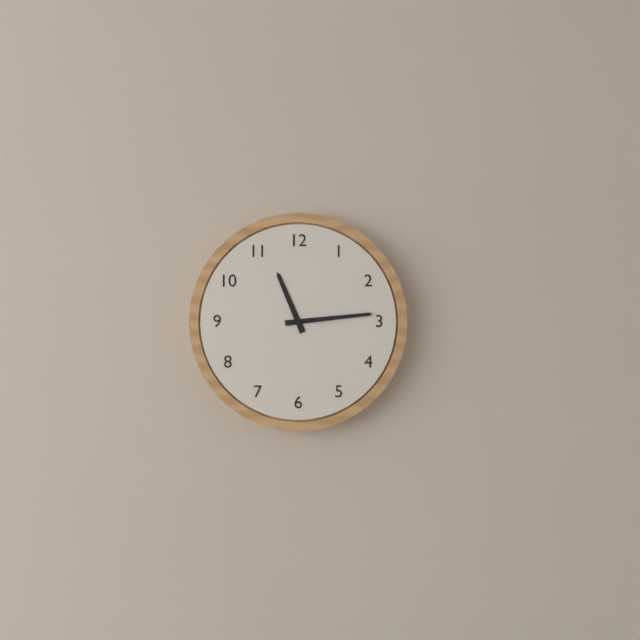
11:14
